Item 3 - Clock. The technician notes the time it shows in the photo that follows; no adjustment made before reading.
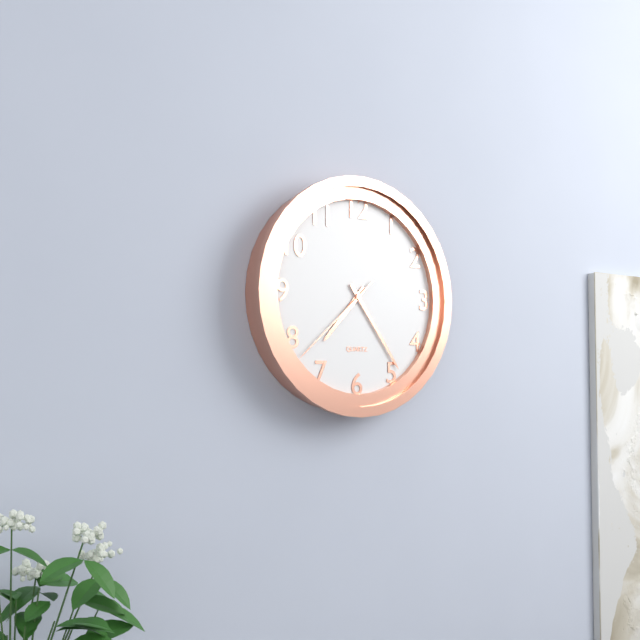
7:24:38
